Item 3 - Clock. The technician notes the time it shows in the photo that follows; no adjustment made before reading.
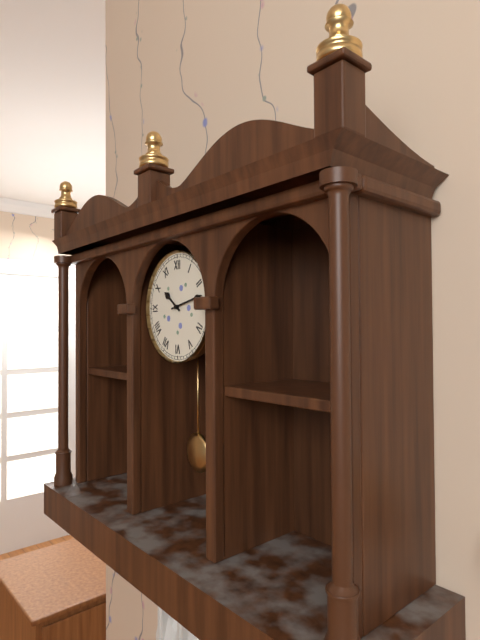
10:13
